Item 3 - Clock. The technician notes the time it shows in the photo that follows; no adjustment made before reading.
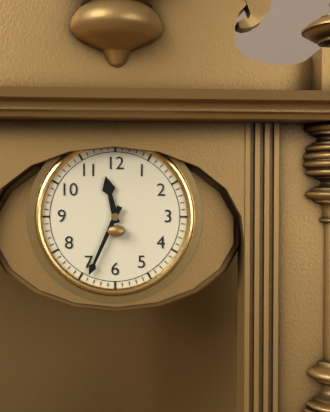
11:34
